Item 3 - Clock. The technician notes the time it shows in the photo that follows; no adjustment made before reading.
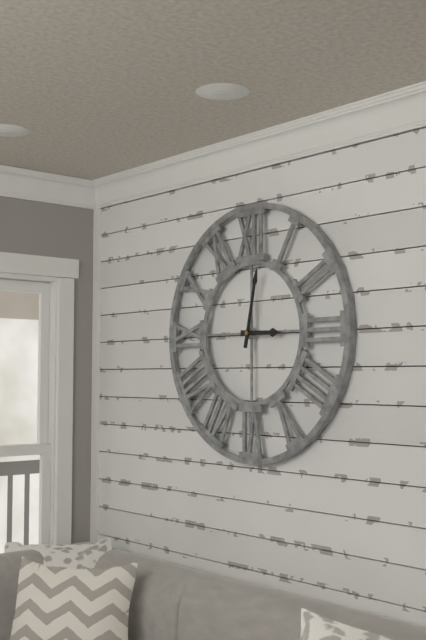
3:02
